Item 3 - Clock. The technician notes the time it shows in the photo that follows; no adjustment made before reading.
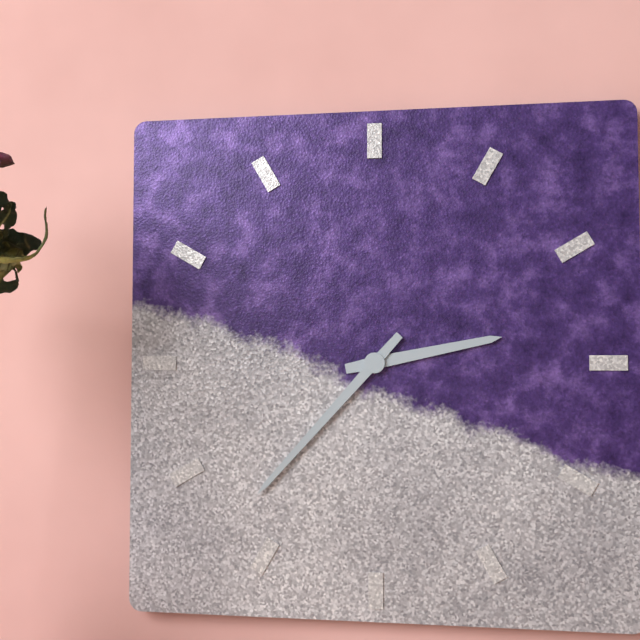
2:37
